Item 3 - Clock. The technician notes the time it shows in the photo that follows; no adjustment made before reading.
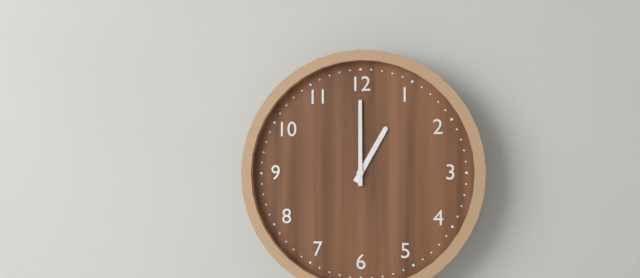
1:00
